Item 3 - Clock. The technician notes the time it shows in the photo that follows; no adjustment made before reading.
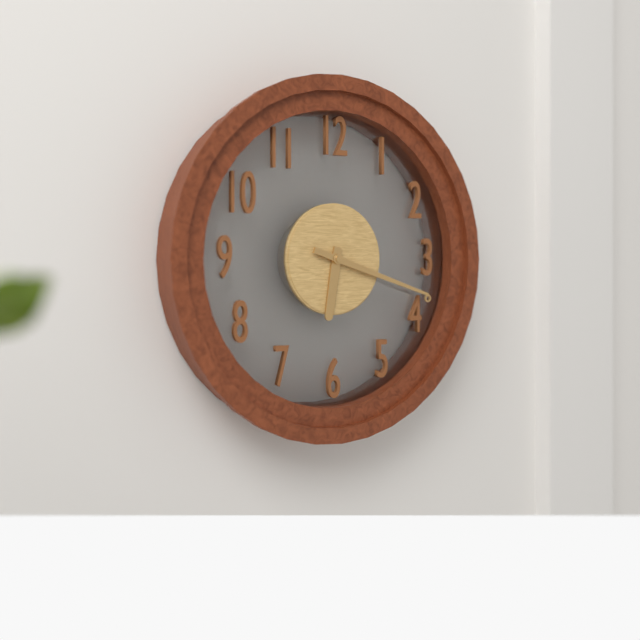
6:18
